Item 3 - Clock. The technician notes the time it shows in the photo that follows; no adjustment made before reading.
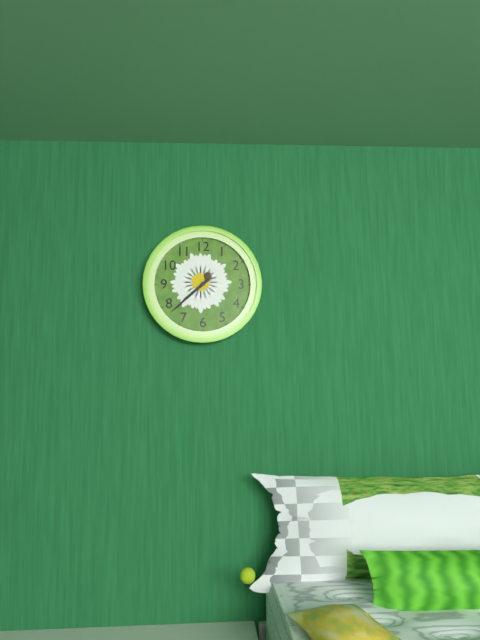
7:38:38
